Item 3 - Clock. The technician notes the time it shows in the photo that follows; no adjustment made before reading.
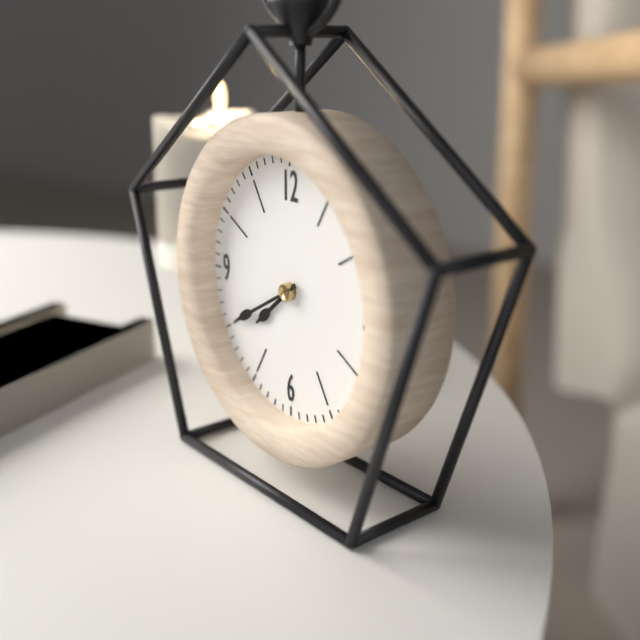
7:40
